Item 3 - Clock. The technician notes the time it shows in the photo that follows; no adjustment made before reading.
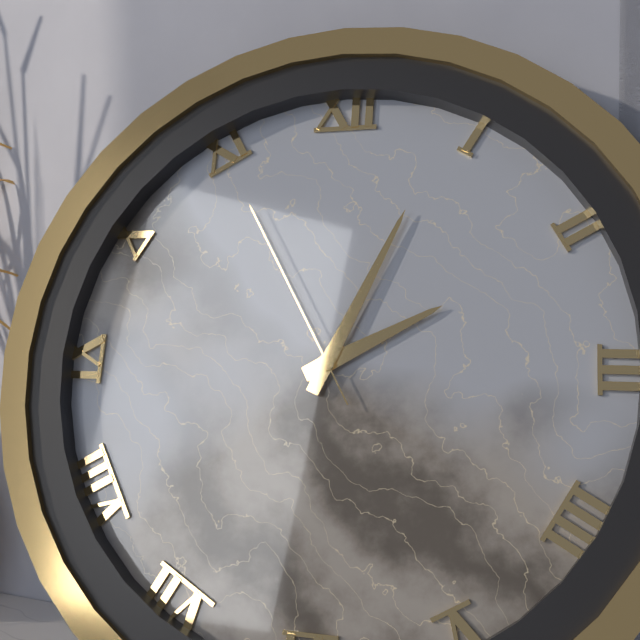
2:04:55
